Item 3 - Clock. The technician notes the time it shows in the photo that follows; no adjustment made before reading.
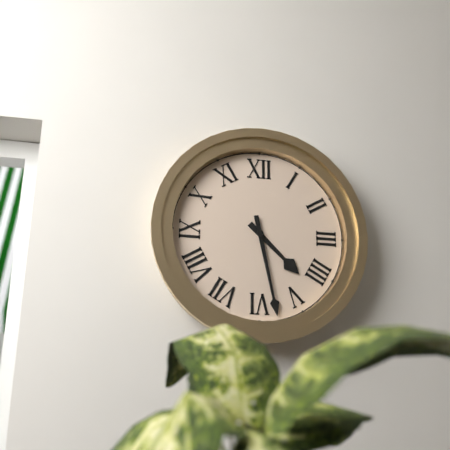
4:28
